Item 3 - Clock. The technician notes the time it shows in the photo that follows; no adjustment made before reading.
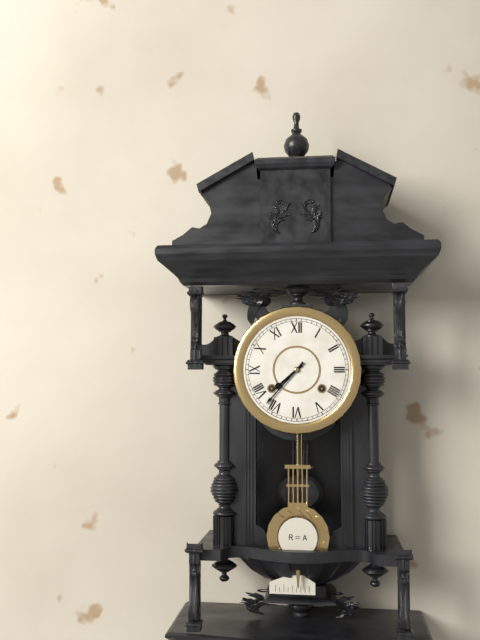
7:37
